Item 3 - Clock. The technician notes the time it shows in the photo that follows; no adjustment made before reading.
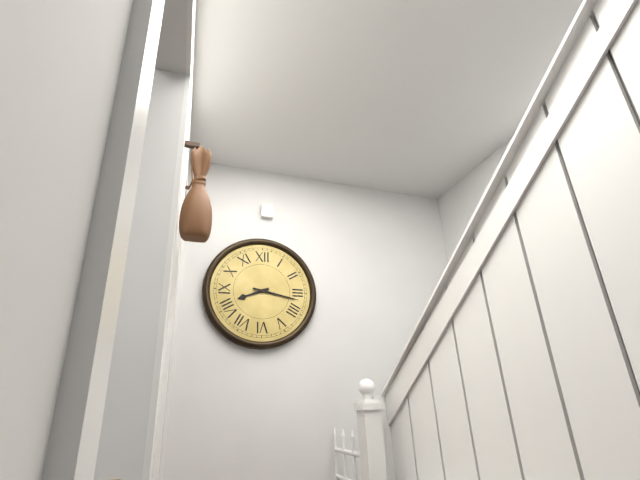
8:17
